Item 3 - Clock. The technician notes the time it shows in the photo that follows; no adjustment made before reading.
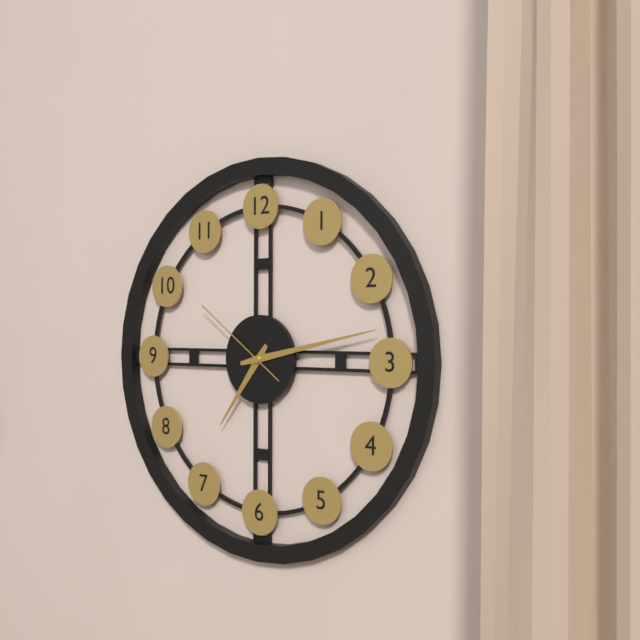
7:13:51
